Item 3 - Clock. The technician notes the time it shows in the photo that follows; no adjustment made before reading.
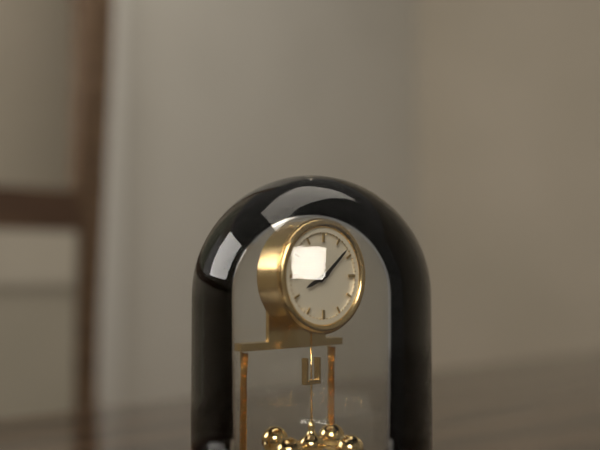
8:08
